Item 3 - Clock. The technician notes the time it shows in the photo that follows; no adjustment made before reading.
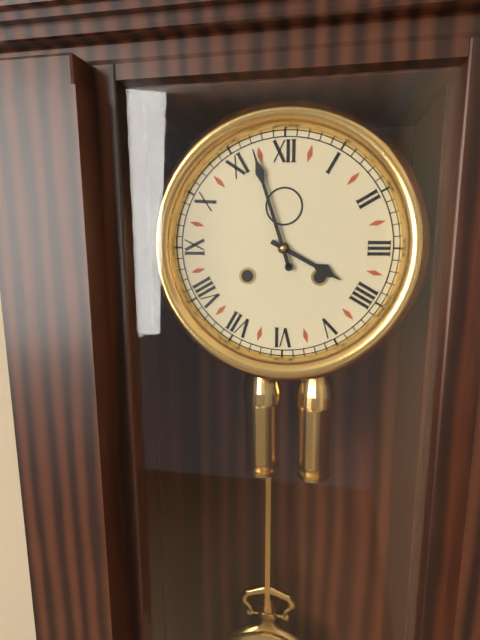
3:57
